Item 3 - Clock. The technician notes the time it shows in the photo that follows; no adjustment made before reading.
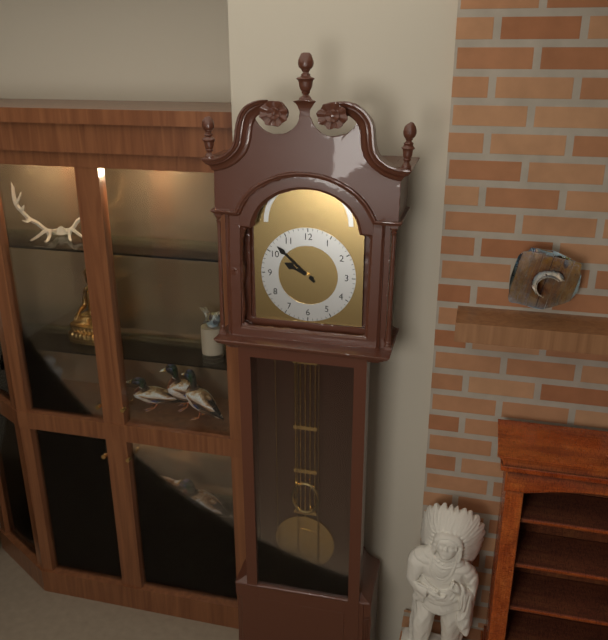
9:52
